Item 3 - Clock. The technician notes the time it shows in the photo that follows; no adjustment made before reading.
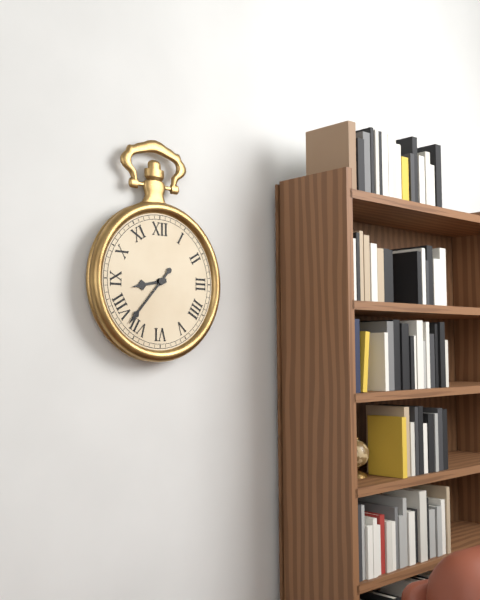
8:37
